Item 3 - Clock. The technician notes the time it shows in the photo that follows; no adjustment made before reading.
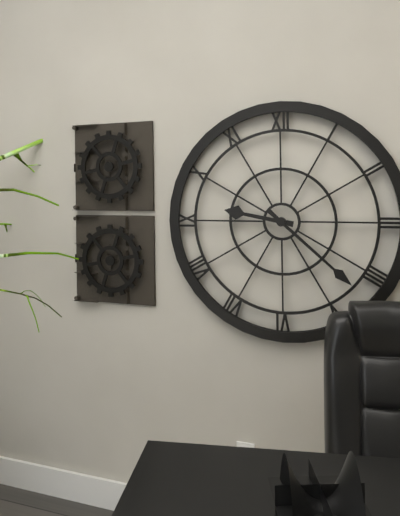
9:22
